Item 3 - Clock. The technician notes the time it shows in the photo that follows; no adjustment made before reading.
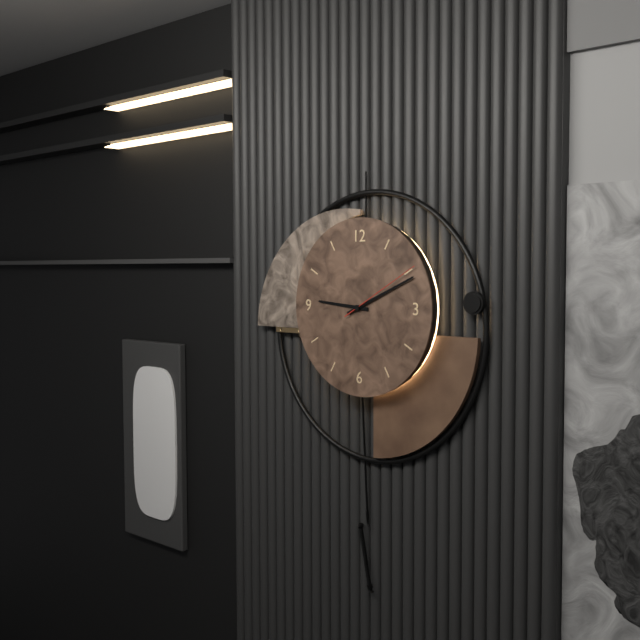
9:11:10
